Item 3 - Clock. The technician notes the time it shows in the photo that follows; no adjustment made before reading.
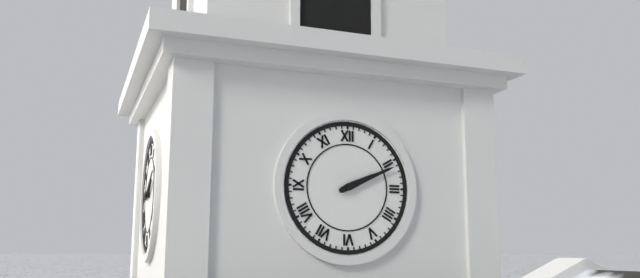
2:11
